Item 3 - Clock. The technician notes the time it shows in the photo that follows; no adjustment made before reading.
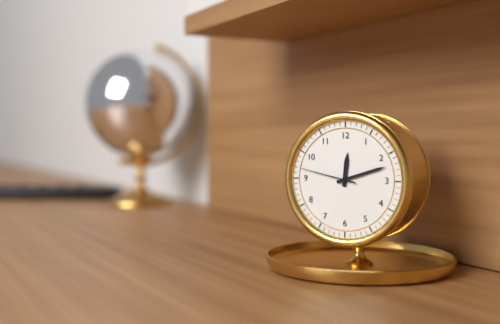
12:12:47
